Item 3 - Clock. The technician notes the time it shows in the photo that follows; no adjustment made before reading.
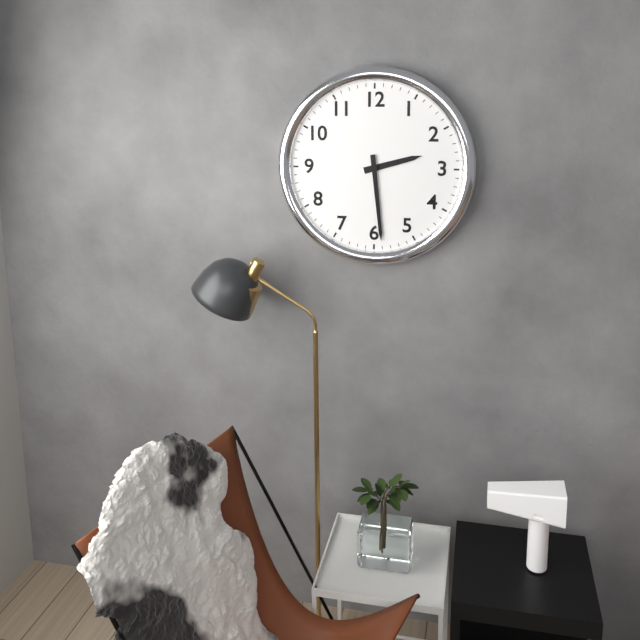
2:29
